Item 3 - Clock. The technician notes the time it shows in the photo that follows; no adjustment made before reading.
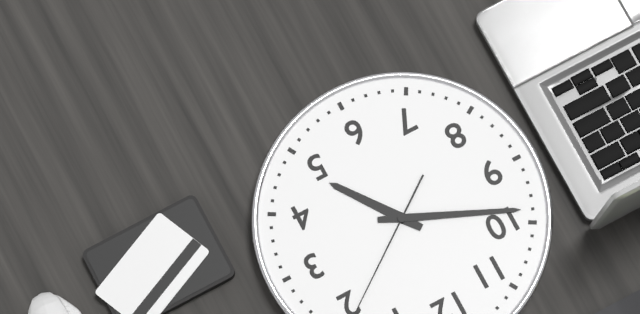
4:49
